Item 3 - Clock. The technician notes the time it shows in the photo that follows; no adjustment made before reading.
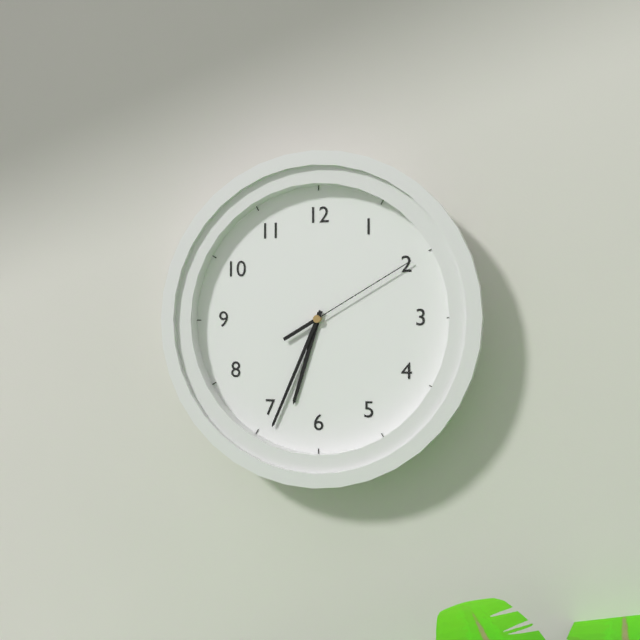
6:34:10
